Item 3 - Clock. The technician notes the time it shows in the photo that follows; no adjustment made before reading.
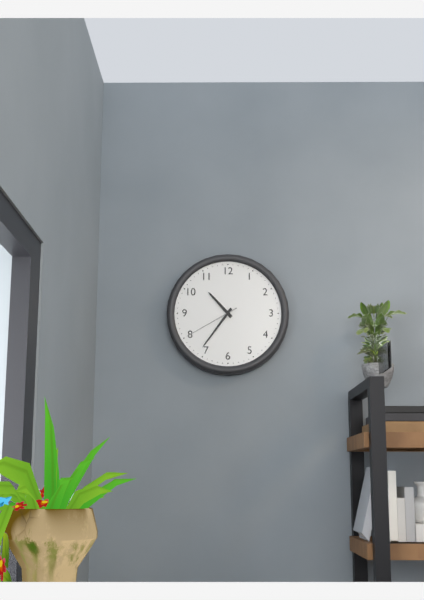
10:36:40
